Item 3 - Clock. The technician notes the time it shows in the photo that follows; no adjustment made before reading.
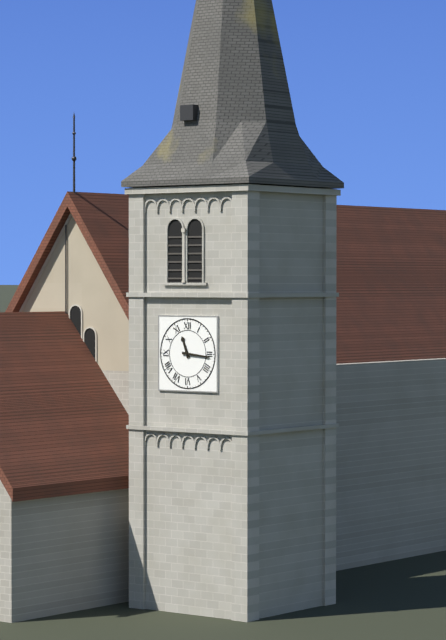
11:16
